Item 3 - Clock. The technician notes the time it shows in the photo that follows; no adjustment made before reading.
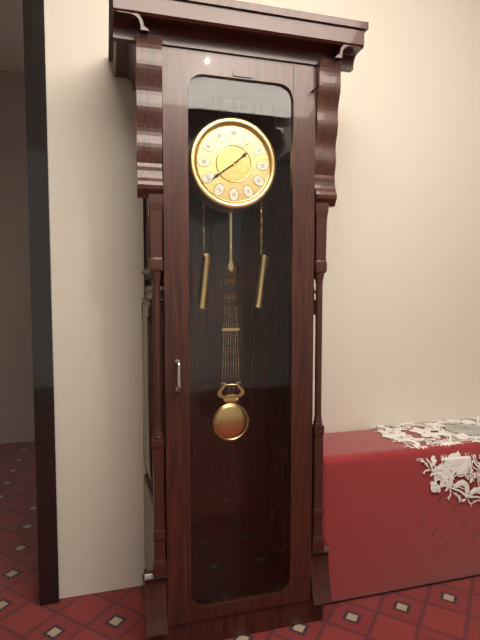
1:39
